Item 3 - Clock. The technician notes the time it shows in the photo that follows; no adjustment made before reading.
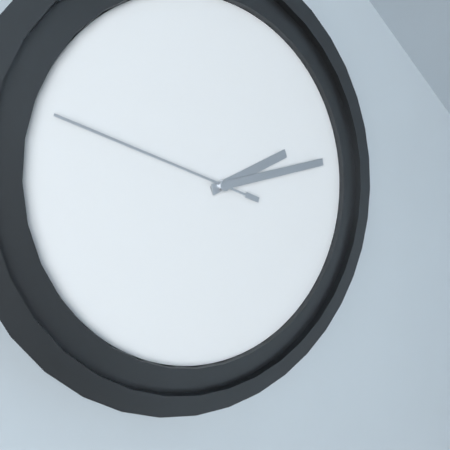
2:13:48
